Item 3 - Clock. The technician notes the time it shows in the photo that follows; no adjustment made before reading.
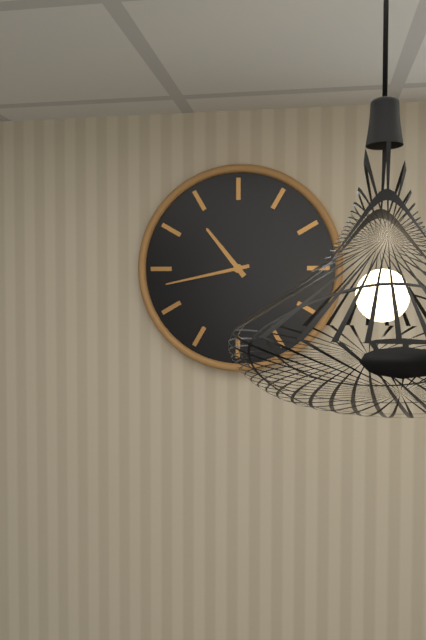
10:43
